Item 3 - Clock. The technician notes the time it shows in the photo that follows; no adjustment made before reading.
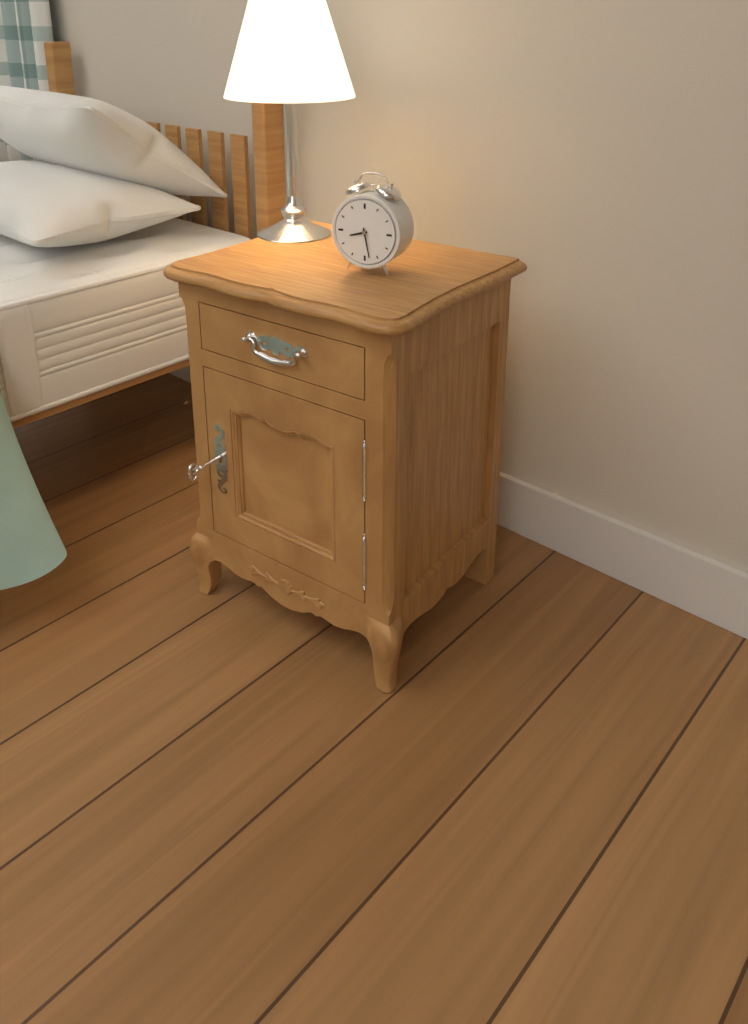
8:28
